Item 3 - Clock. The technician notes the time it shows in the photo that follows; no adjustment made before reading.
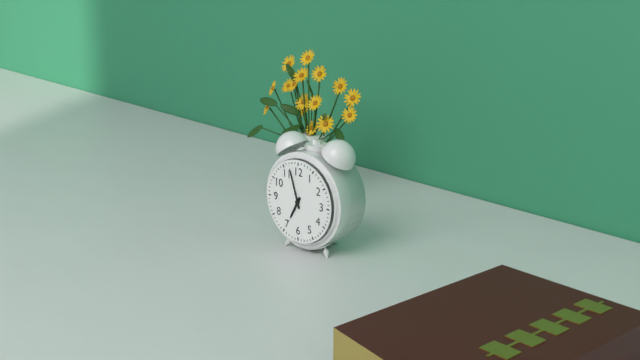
6:57
